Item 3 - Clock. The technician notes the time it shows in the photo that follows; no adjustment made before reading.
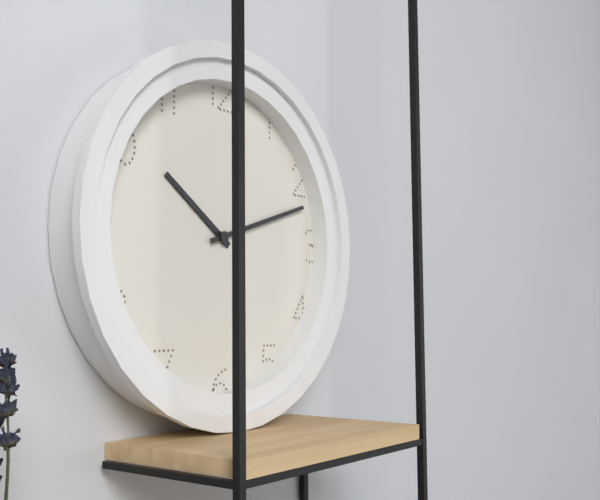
10:12
